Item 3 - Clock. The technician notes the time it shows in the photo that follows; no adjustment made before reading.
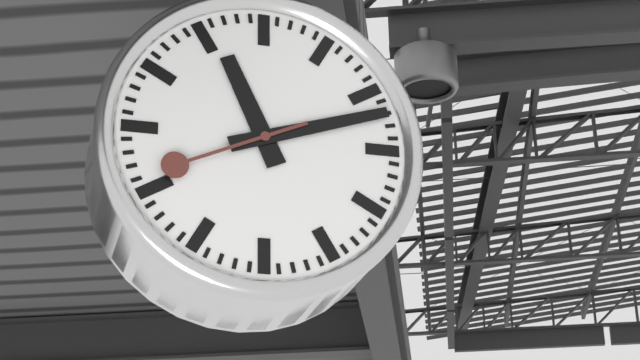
11:12:41
